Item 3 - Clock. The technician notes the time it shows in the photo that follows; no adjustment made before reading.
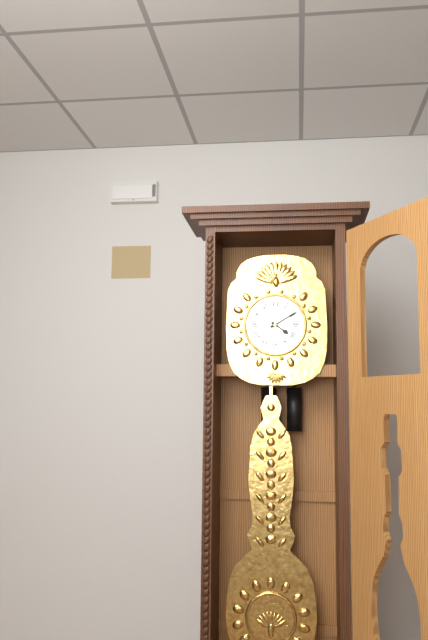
4:10
